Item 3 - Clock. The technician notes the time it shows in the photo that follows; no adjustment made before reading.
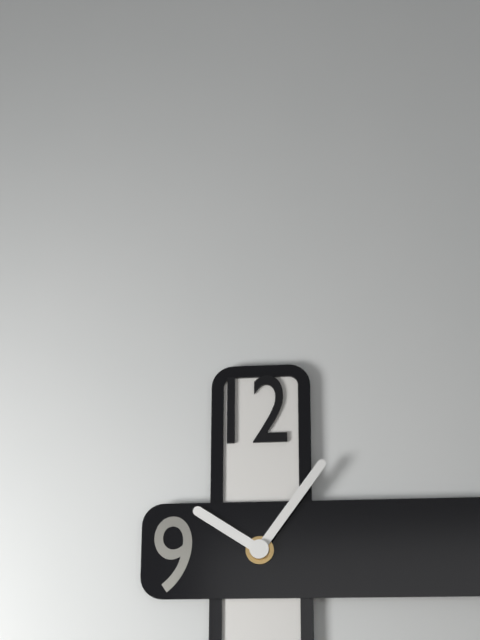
10:06
